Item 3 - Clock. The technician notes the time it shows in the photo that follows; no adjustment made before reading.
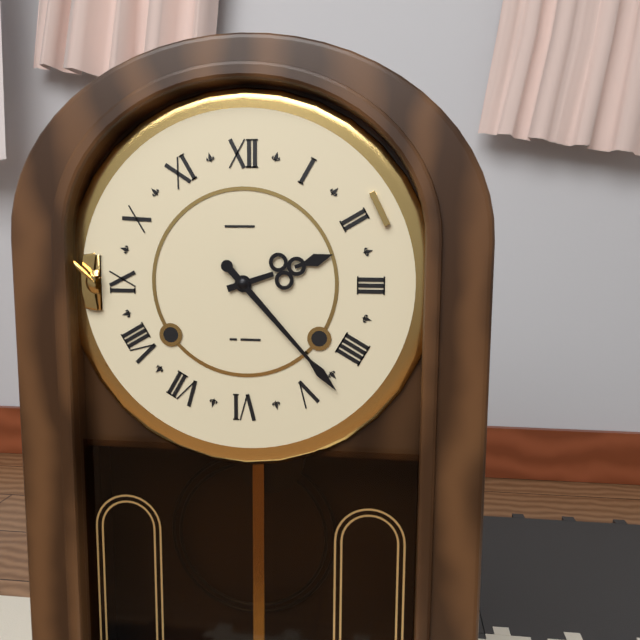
2:23
